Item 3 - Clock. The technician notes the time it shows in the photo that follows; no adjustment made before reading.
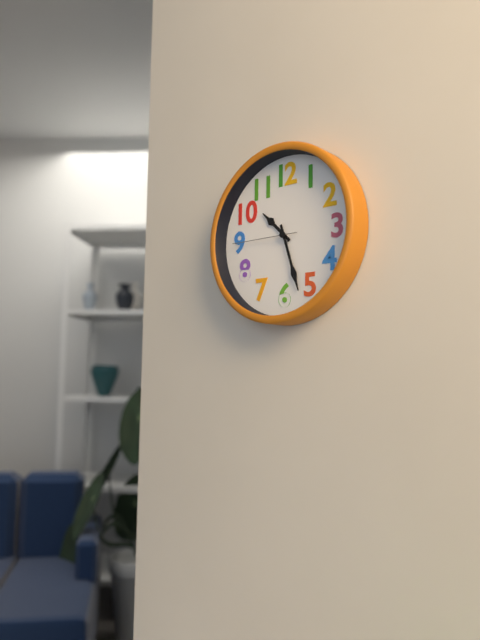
10:27:45
